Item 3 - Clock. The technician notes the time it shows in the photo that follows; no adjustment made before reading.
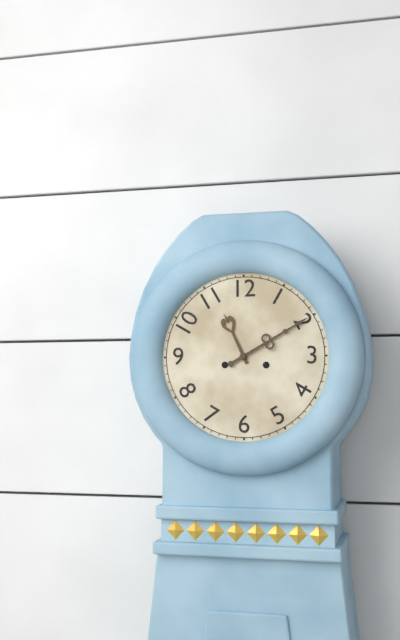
11:10
